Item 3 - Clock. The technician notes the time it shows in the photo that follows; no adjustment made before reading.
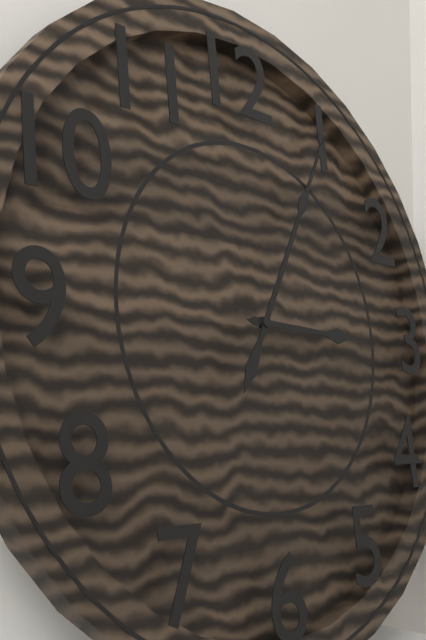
3:05
